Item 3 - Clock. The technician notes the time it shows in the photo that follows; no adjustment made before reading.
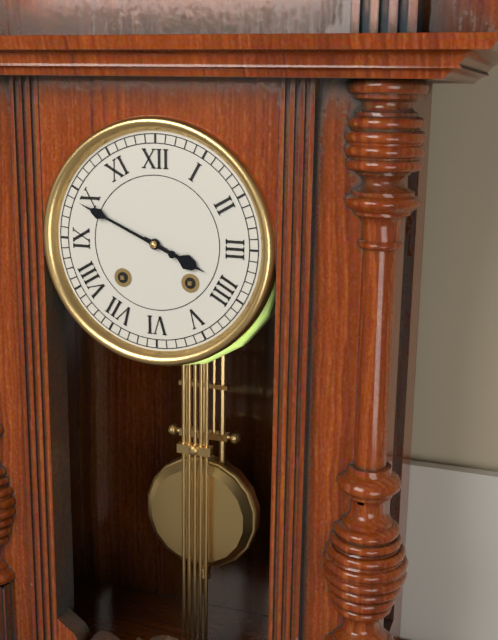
3:49
